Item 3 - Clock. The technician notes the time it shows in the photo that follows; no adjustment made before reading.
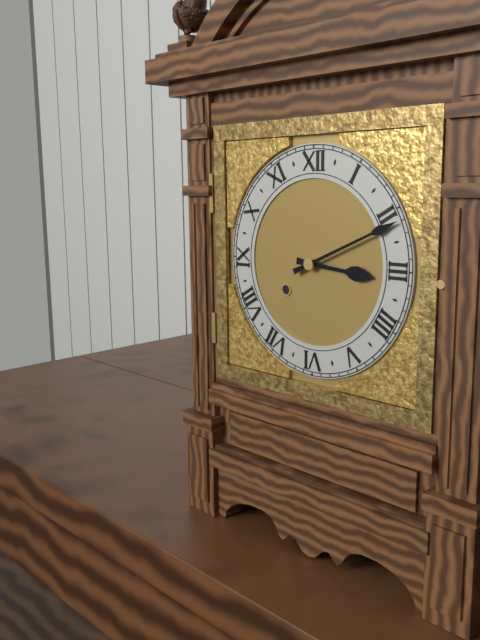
3:11
